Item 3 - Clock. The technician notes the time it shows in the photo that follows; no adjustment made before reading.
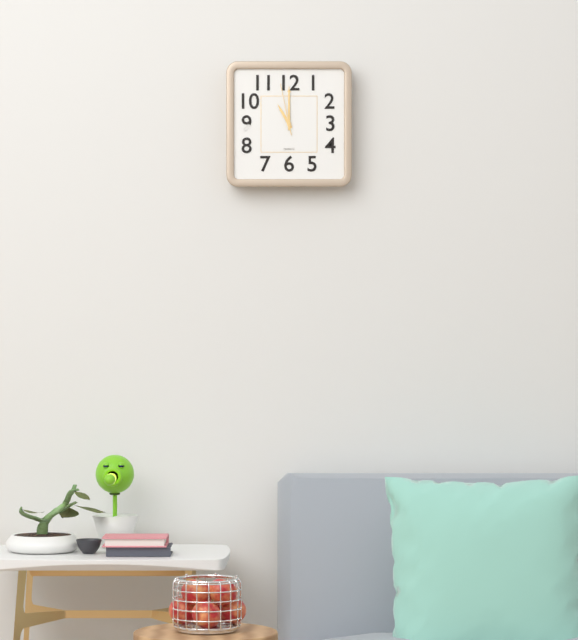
11:00:58
